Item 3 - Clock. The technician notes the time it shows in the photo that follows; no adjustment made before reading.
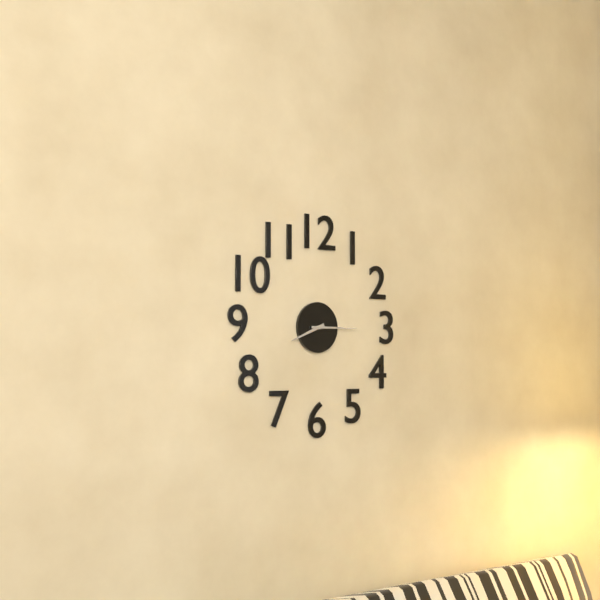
8:15
